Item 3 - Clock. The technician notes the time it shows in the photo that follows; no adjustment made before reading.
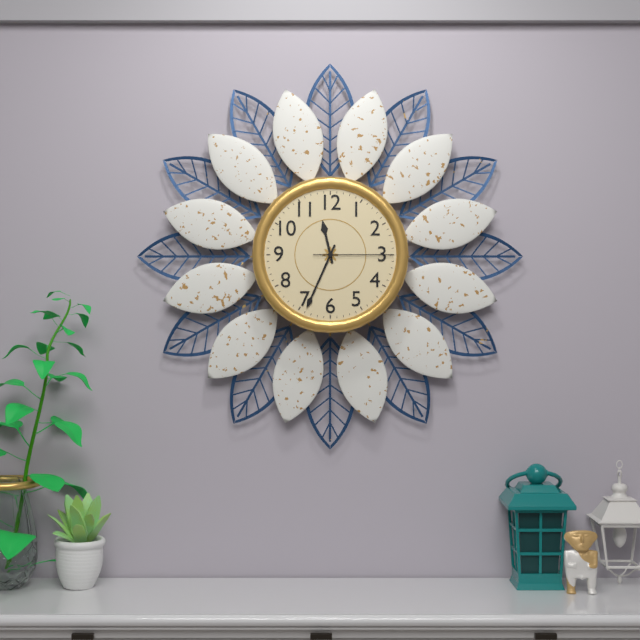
11:34:15
